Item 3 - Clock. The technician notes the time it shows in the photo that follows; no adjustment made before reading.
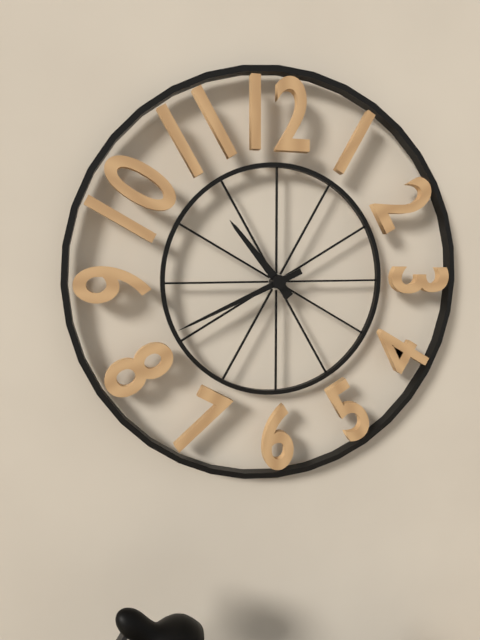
10:41
